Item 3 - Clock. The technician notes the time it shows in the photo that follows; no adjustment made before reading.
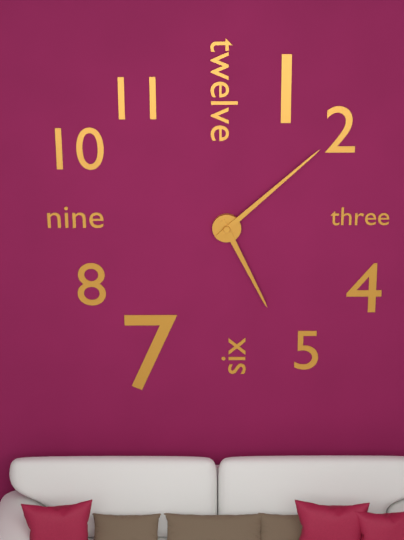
5:08
